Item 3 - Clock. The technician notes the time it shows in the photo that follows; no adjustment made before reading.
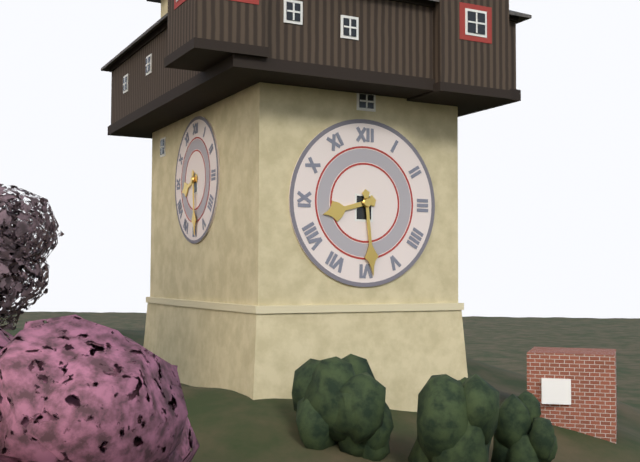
8:29
